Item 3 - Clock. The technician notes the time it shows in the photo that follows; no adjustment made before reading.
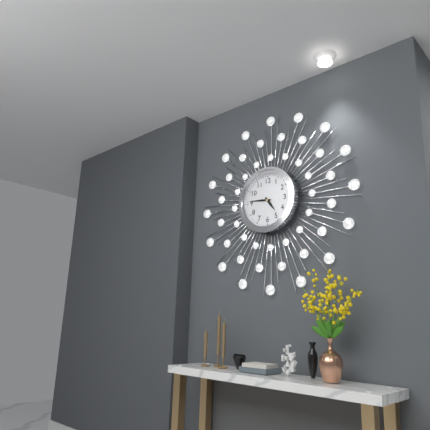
4:46
